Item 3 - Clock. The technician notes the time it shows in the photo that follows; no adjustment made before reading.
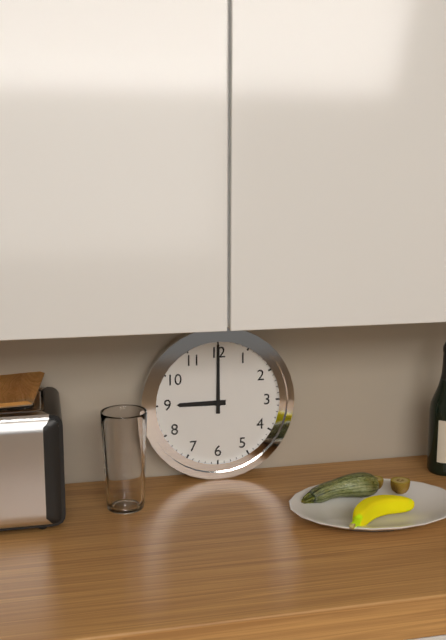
9:00
